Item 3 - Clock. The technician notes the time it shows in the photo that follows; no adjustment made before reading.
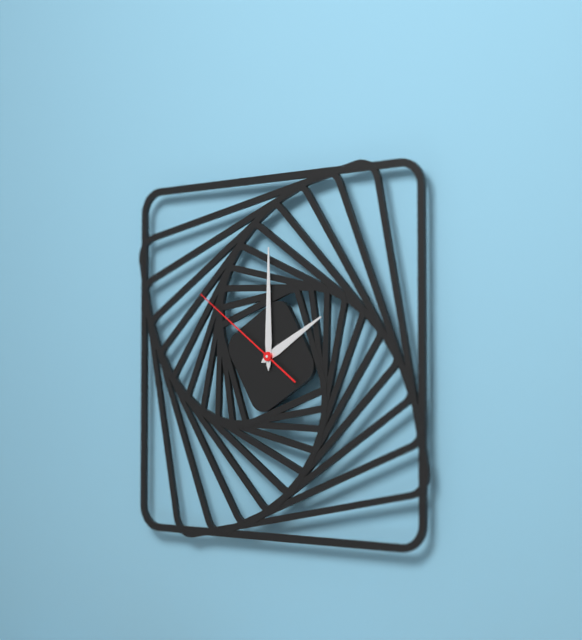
2:00:51
